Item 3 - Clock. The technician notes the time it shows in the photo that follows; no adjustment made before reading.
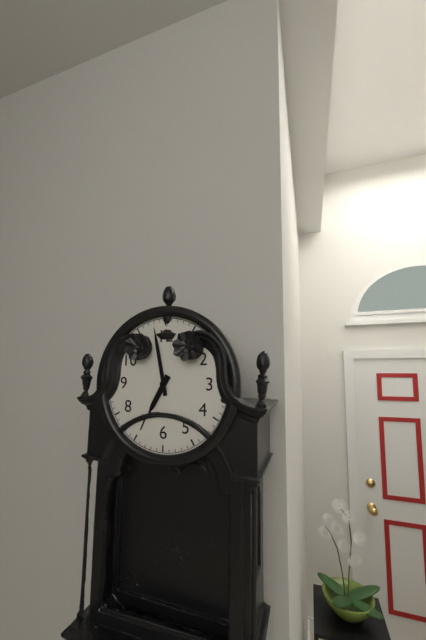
6:58
